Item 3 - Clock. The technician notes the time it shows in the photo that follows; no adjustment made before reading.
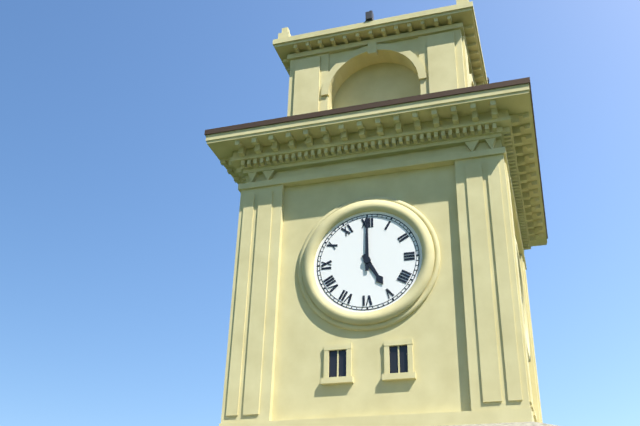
5:00
